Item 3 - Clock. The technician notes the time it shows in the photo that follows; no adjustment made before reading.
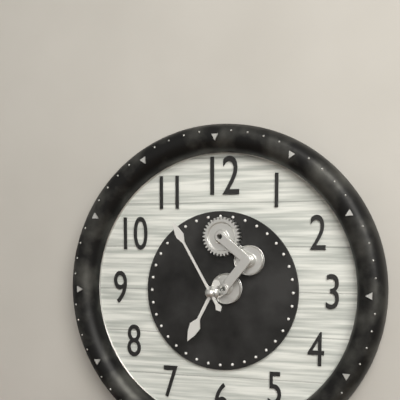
6:55
